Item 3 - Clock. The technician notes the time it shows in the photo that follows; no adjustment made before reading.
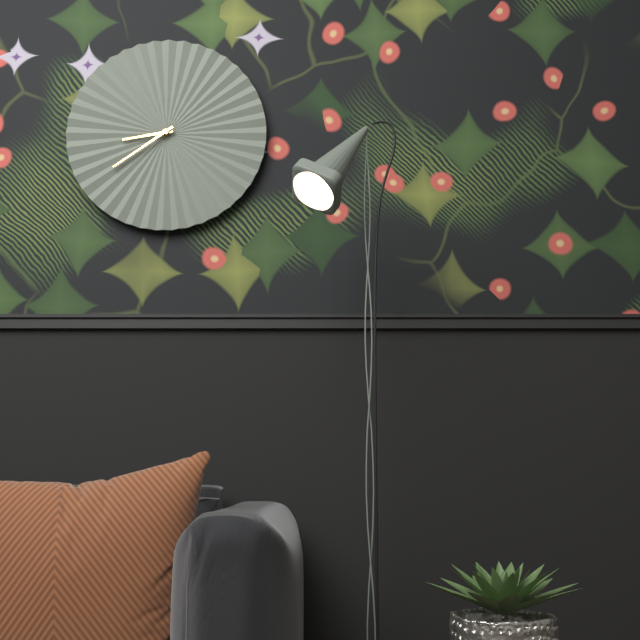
8:39
